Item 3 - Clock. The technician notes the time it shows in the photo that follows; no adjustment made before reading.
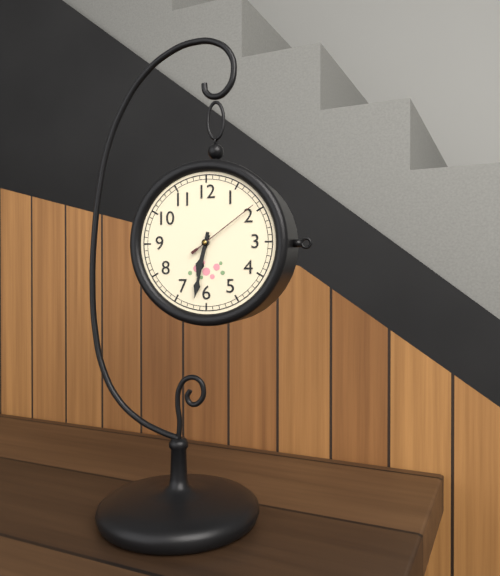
6:32:09
